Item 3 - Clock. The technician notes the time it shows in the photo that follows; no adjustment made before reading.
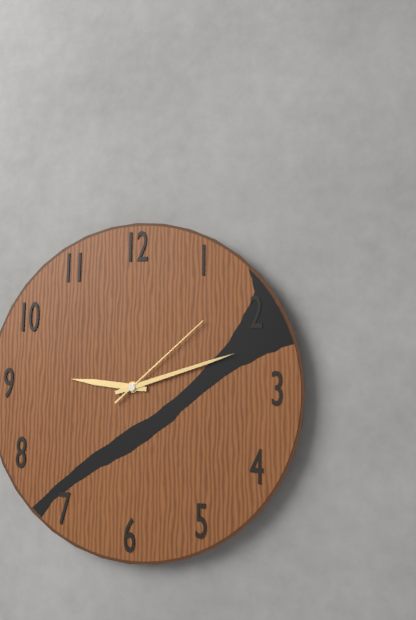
9:12:08
